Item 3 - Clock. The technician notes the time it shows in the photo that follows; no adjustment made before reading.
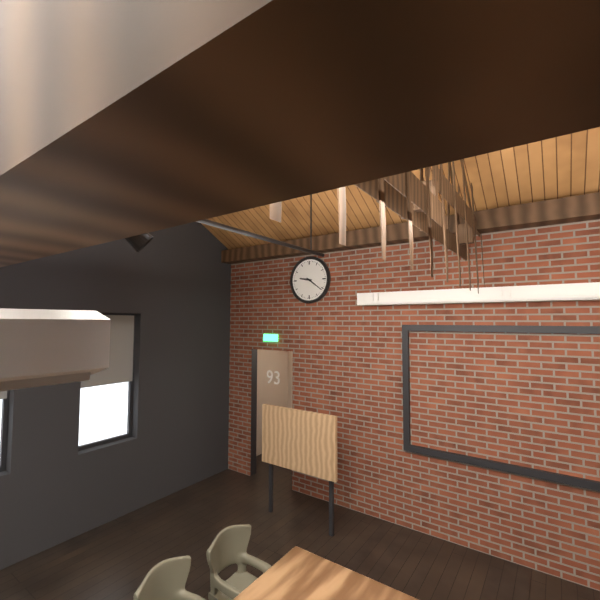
9:21
